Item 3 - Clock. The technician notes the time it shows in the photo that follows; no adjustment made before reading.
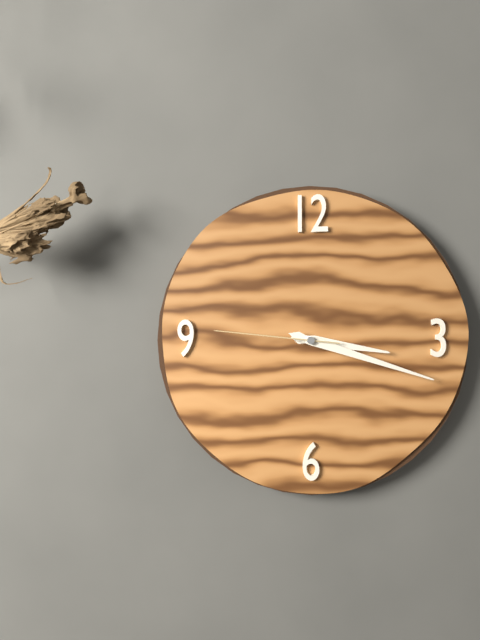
3:18:46
